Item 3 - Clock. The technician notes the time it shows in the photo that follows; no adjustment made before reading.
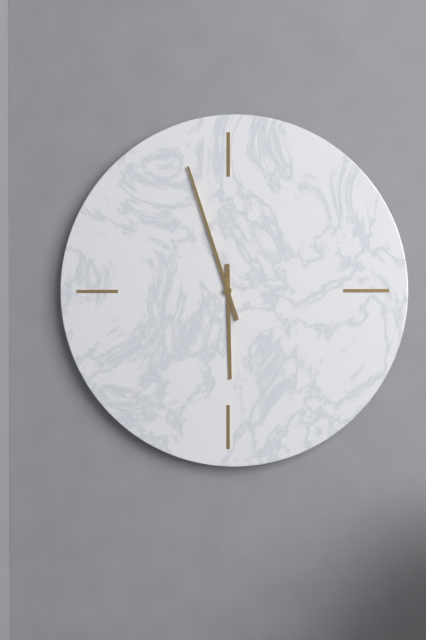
5:57
